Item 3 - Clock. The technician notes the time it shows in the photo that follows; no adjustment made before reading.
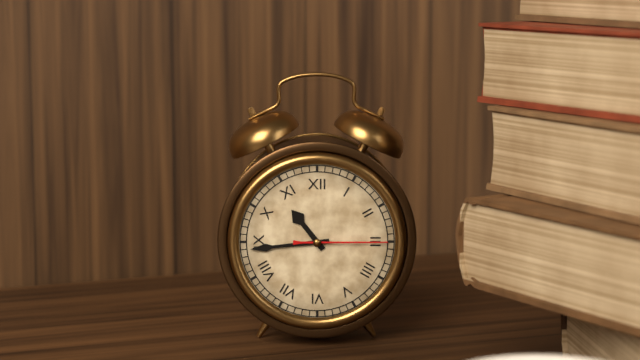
10:44:15
